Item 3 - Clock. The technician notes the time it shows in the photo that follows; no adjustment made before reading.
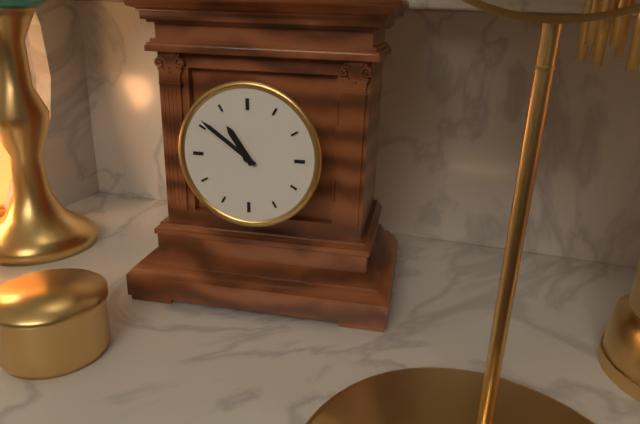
10:51
